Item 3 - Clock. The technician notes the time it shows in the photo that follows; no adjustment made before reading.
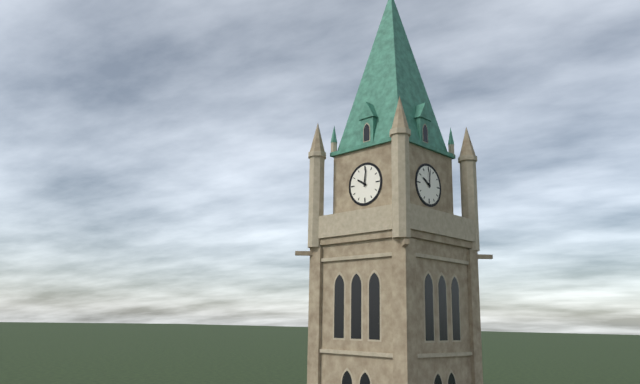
10:01
